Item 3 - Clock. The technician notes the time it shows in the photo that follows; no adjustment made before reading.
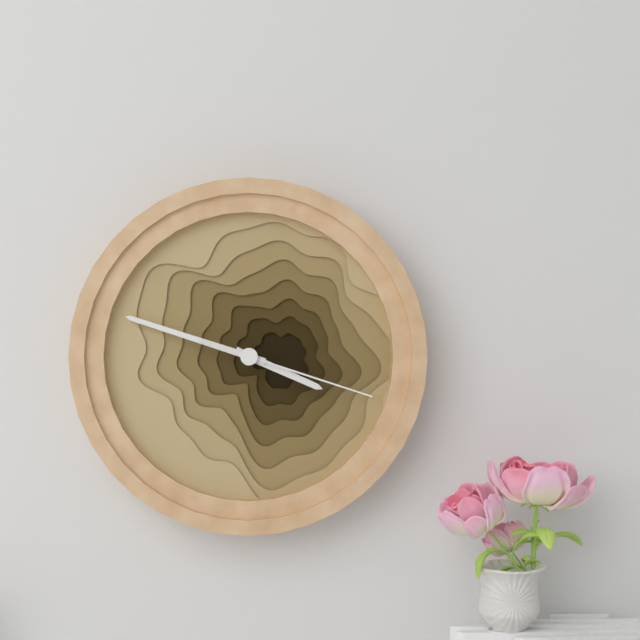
3:48:18
